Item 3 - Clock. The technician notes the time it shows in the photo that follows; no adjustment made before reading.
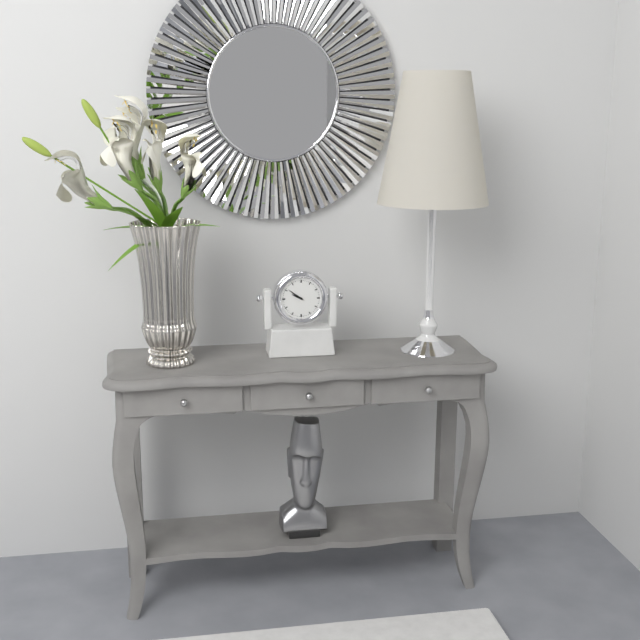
9:51
